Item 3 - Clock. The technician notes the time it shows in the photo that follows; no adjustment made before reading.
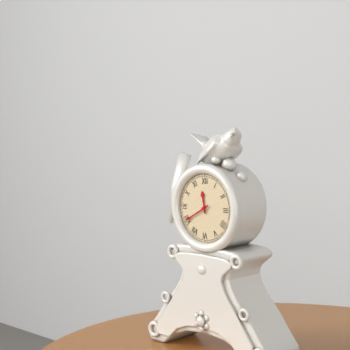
11:40
